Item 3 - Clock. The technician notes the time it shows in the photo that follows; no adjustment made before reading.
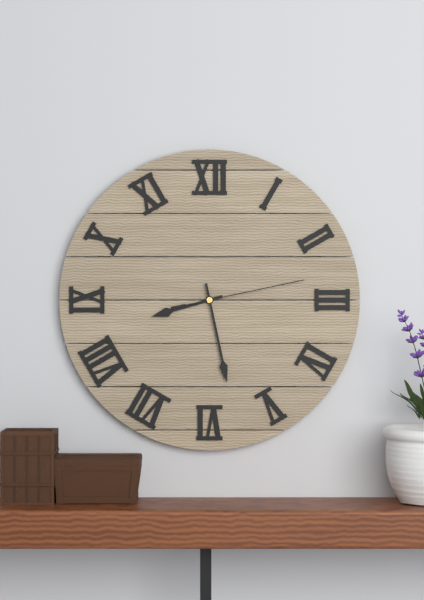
8:28:13
